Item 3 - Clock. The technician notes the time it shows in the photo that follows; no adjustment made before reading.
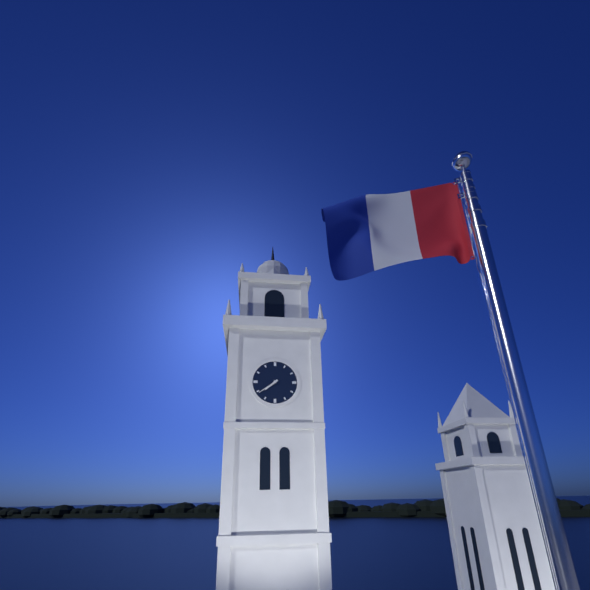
7:39
